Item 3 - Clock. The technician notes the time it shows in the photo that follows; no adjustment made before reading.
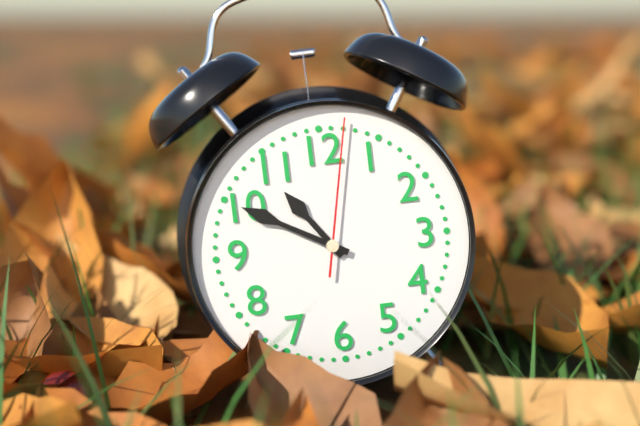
10:50:02
